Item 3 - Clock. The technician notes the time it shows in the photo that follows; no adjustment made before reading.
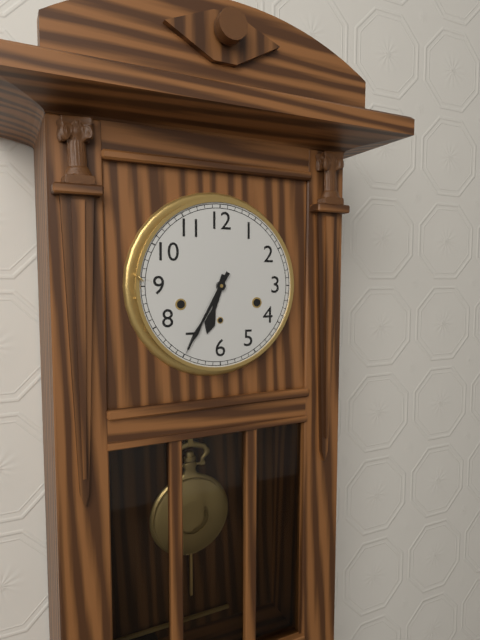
6:35
